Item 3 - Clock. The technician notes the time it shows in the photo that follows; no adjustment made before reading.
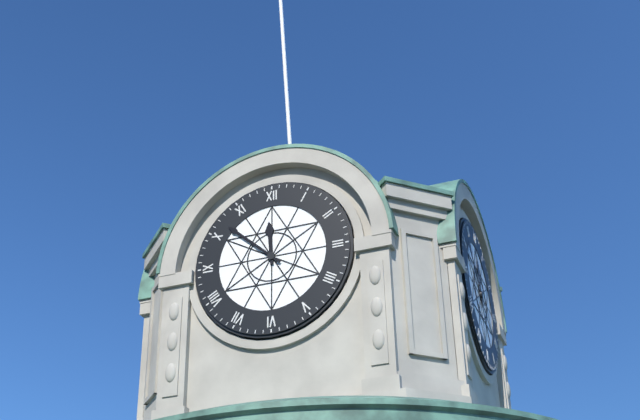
11:52
